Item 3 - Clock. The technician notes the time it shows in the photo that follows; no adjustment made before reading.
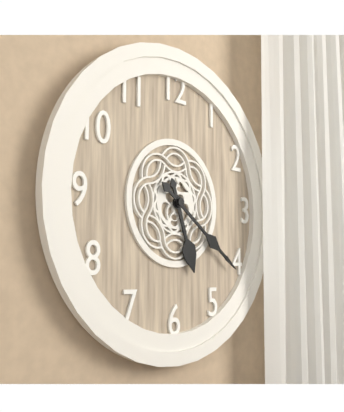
5:21
